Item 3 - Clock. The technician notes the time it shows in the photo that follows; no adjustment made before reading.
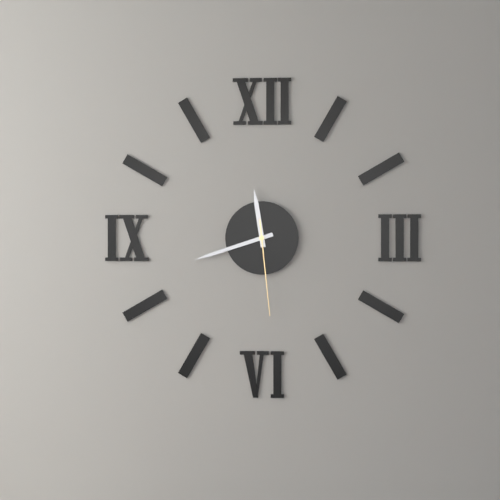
11:42:29
